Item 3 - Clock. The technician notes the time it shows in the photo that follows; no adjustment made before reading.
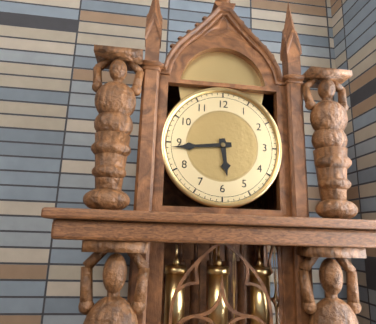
5:44
